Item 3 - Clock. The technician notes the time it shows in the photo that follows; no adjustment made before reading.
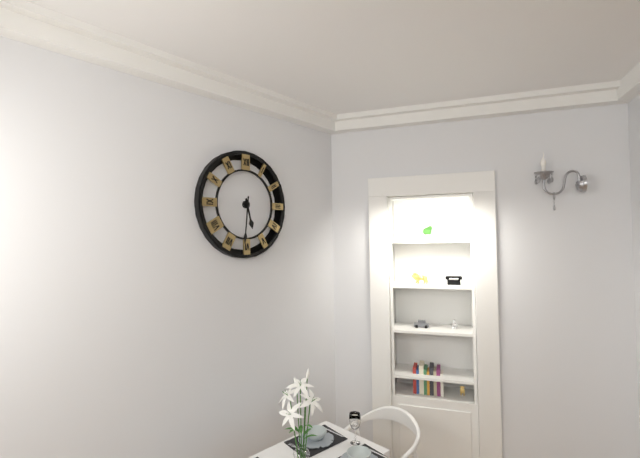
5:31
